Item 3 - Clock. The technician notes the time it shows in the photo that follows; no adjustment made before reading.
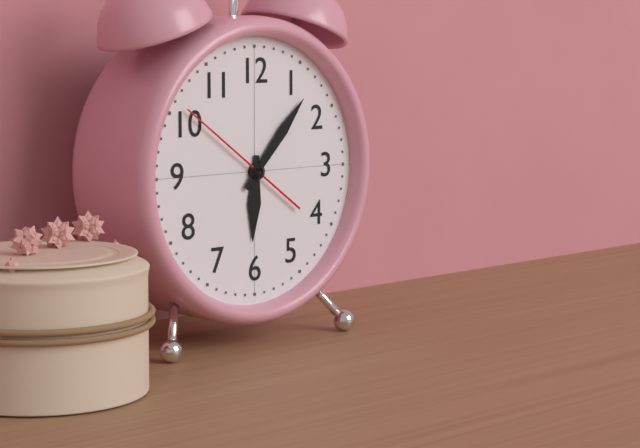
6:07:51
